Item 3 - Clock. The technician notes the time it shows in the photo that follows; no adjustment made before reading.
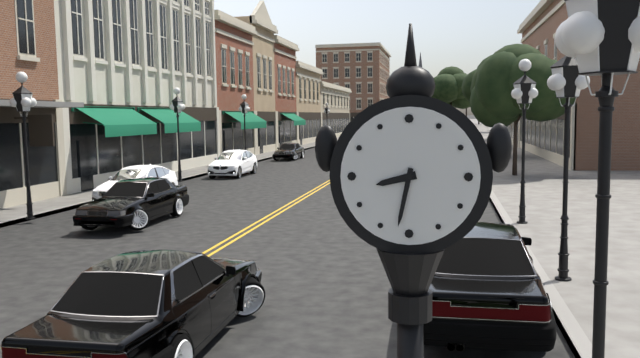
8:32
